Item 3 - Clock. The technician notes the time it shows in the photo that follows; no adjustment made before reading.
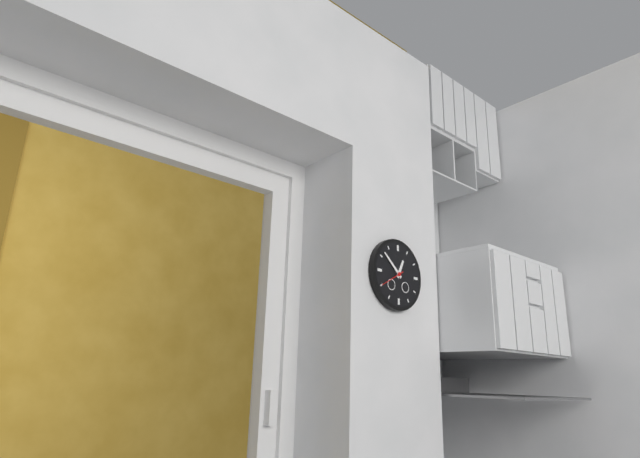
12:52
